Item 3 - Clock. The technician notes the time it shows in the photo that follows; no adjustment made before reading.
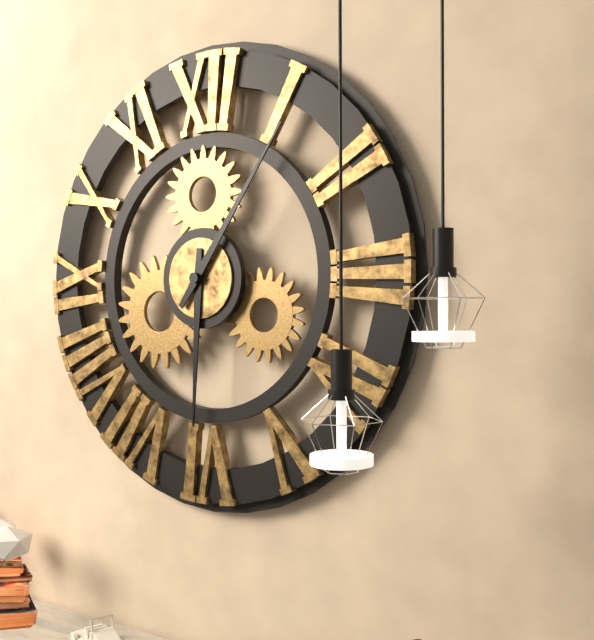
6:06
